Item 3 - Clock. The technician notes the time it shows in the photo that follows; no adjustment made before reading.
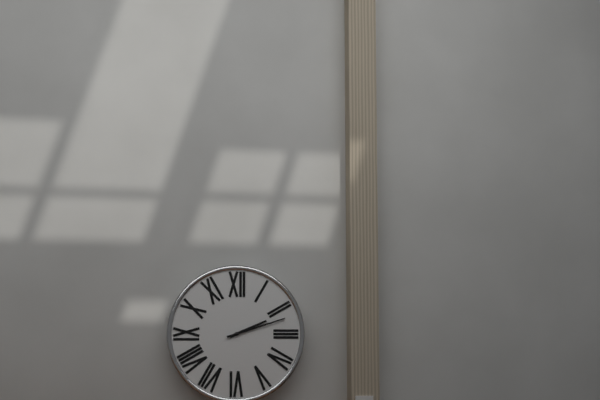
2:12
